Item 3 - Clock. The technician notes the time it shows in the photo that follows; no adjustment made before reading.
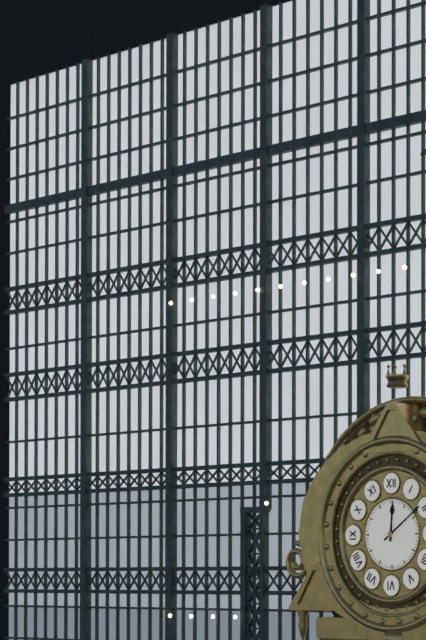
12:09
